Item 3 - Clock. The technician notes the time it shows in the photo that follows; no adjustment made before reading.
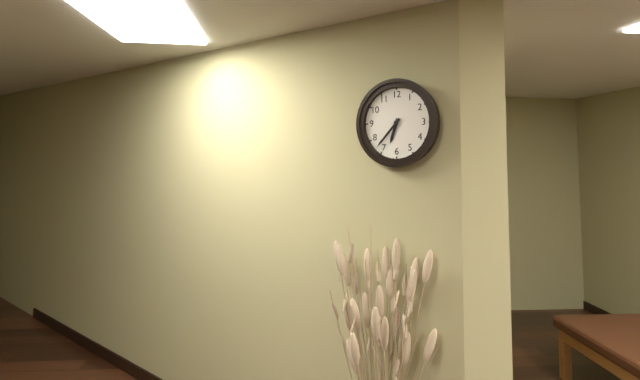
6:37
